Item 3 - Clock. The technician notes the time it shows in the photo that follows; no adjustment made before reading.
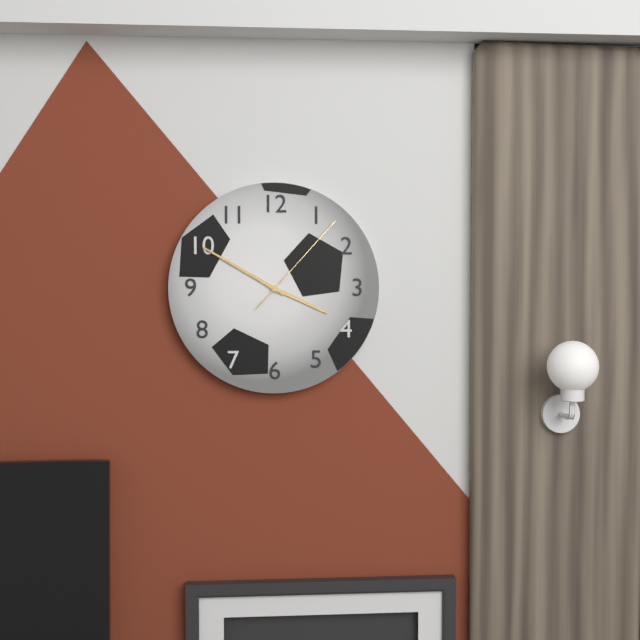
3:50:07
